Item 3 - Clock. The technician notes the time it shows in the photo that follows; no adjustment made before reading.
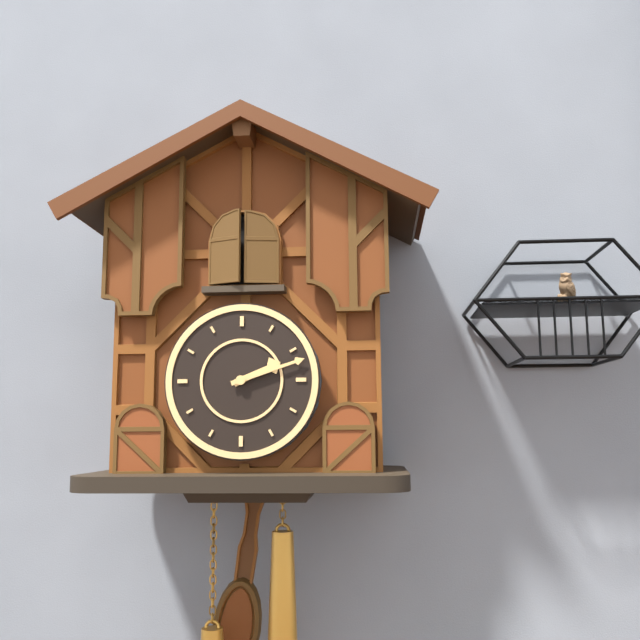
2:12
